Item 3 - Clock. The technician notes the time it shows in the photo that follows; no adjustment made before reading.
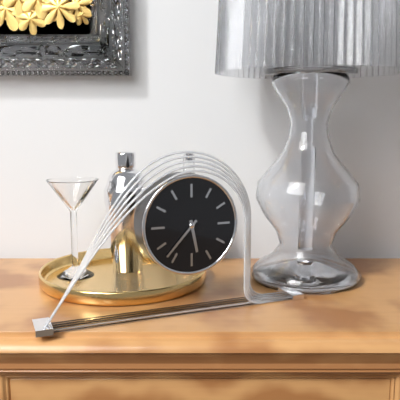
5:37
